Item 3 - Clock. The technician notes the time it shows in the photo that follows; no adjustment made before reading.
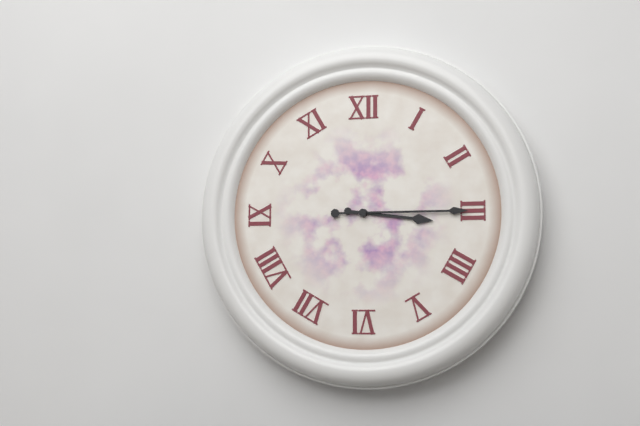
3:15
